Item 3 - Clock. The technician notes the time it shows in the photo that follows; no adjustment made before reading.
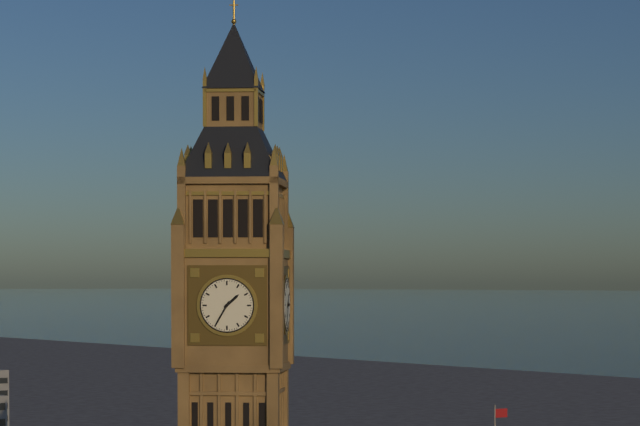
1:35
